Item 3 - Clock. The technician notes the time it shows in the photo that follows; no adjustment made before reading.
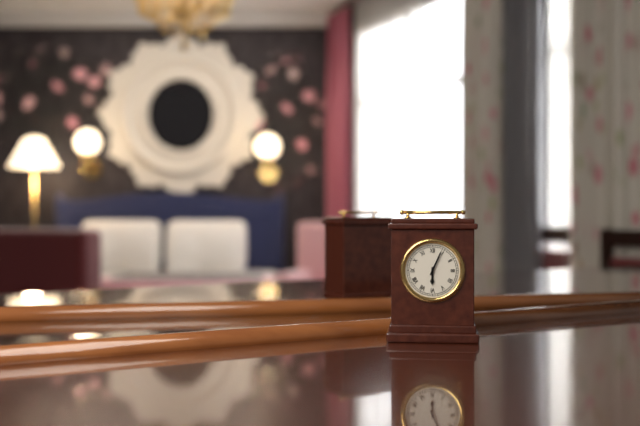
6:04
